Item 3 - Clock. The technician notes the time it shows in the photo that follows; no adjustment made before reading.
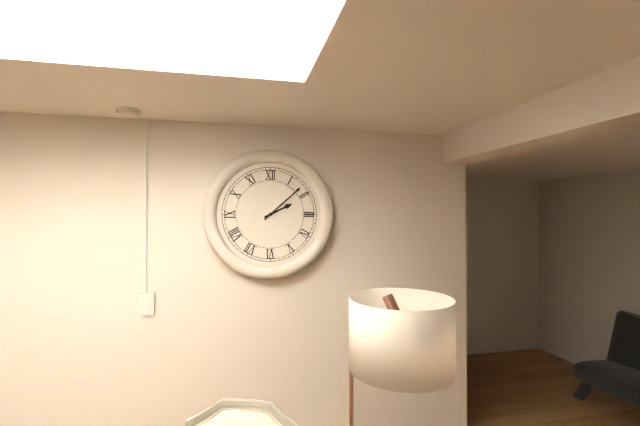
2:08
